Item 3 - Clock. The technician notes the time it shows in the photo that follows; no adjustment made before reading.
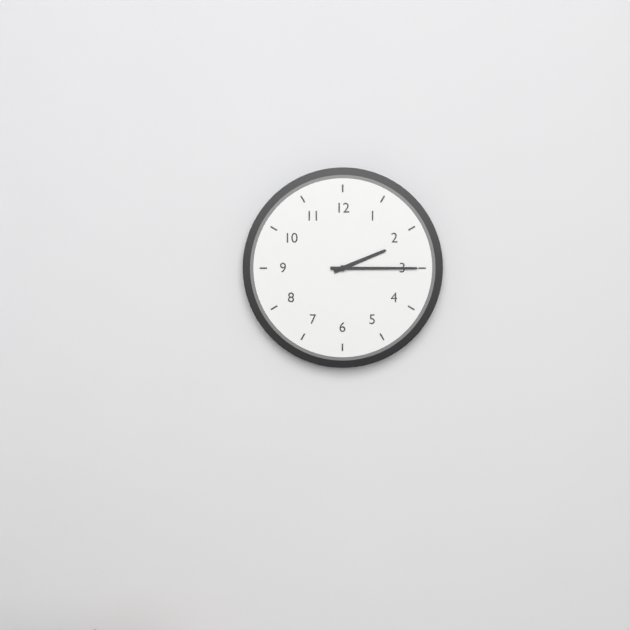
2:15
